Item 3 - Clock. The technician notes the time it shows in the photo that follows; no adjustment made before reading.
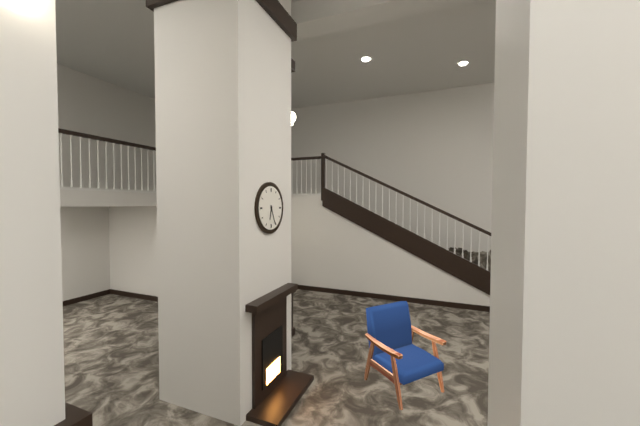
6:26
